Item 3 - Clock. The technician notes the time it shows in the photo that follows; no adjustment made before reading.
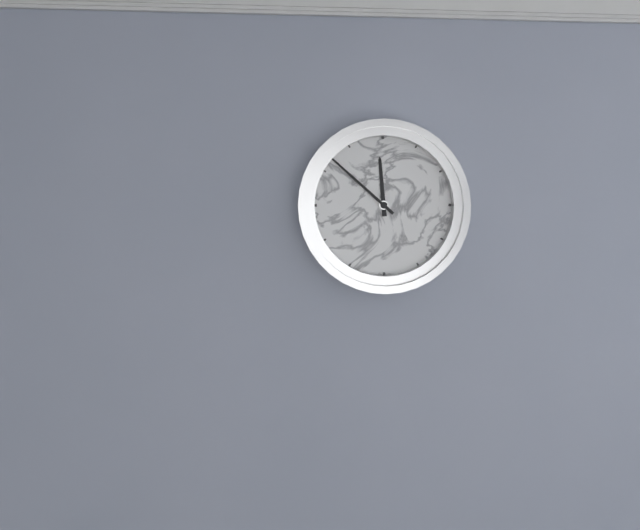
11:52
